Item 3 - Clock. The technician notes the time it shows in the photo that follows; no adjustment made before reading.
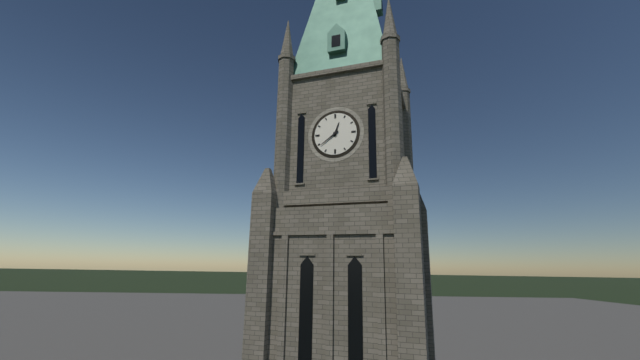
12:39
